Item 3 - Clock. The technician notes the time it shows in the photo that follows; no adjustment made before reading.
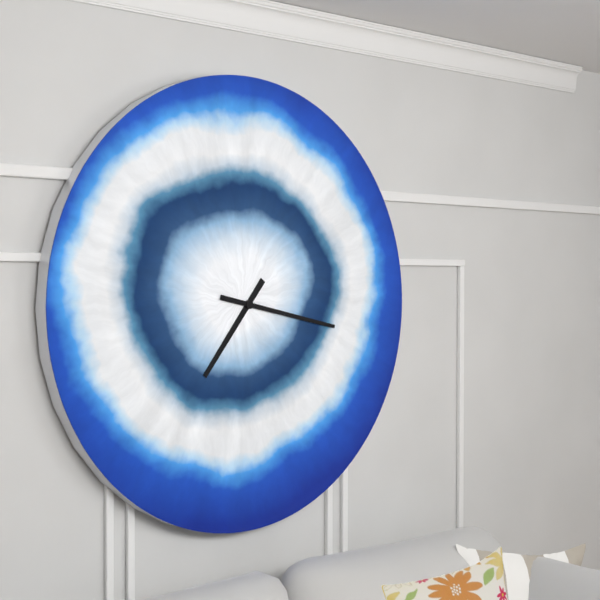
7:17
